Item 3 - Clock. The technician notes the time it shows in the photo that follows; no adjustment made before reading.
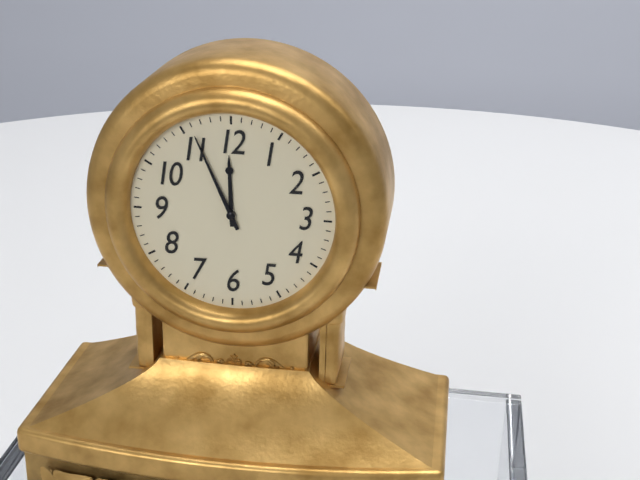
11:56
